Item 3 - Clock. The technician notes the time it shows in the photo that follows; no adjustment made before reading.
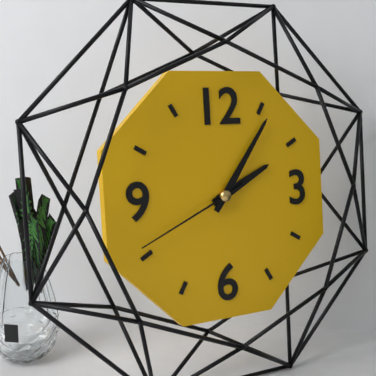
2:06:41
